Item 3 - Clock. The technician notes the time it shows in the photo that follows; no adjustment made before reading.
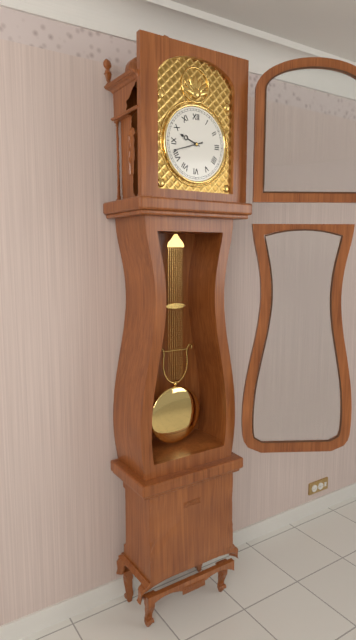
9:42
